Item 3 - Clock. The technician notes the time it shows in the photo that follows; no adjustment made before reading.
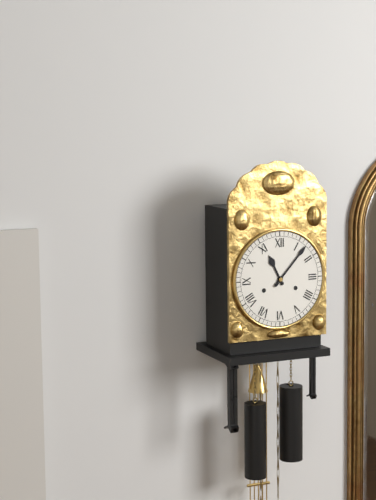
11:07
